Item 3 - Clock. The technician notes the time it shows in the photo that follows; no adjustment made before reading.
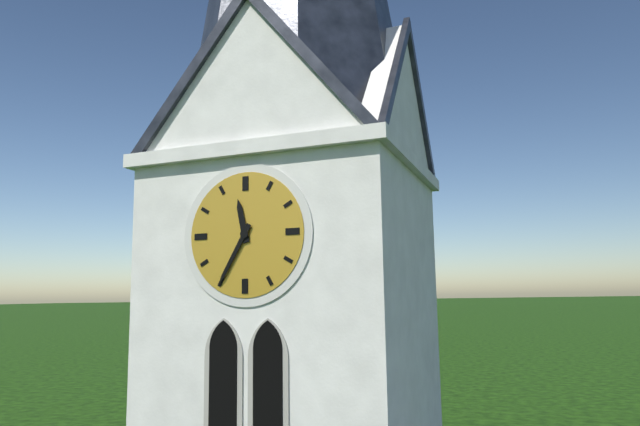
11:35
